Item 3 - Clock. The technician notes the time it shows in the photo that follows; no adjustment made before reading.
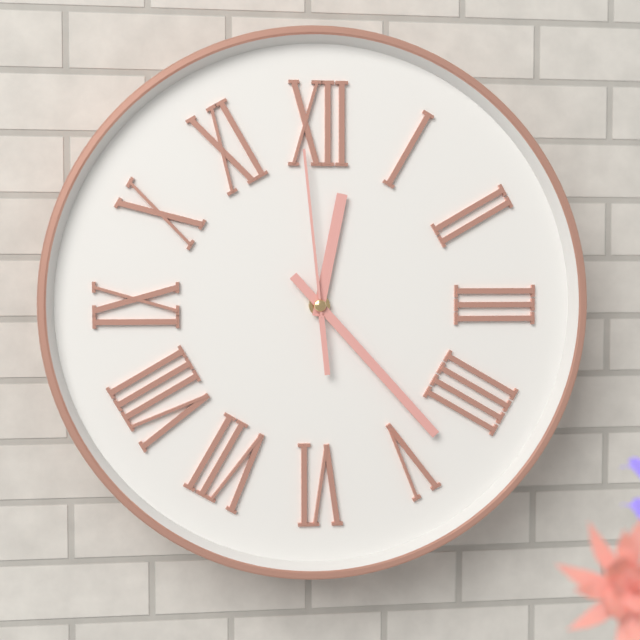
12:23:59
